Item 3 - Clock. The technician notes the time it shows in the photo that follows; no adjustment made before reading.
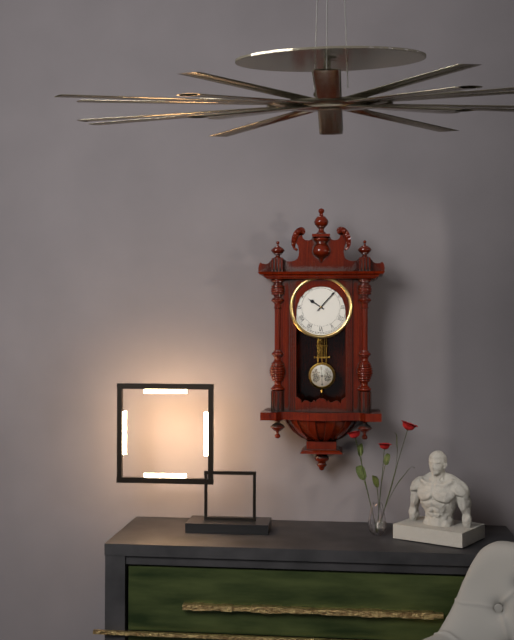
10:07
